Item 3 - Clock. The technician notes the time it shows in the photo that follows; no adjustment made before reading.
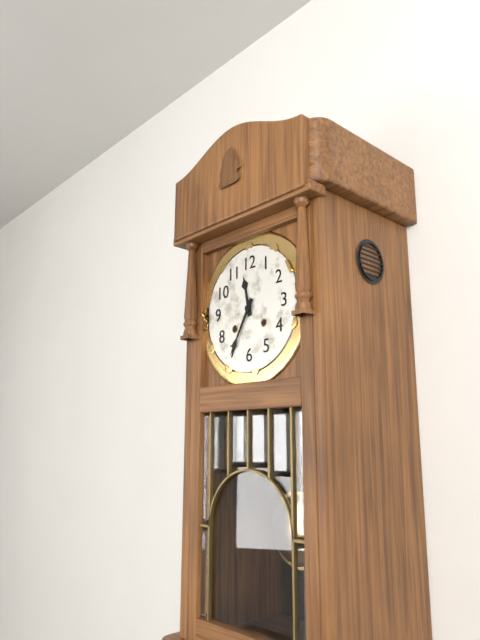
11:35
